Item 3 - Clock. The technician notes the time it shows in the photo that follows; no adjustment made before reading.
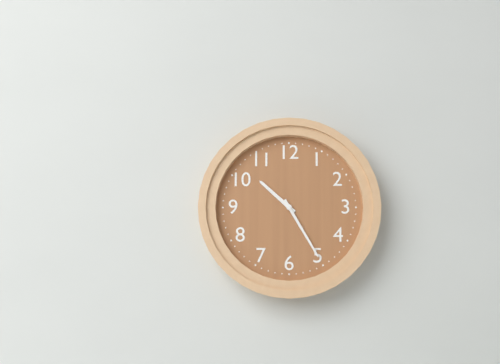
10:25
